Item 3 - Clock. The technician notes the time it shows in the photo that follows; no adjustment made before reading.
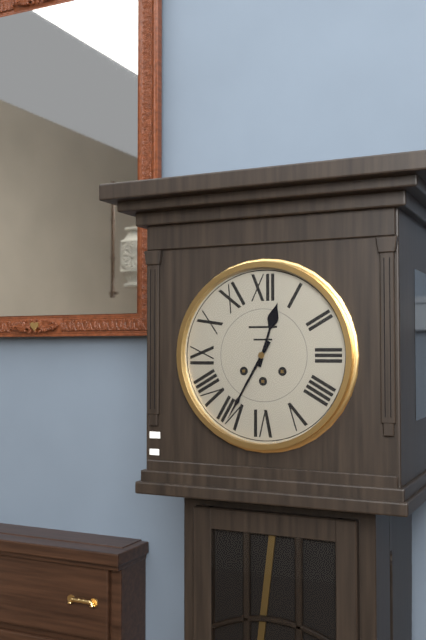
12:35
